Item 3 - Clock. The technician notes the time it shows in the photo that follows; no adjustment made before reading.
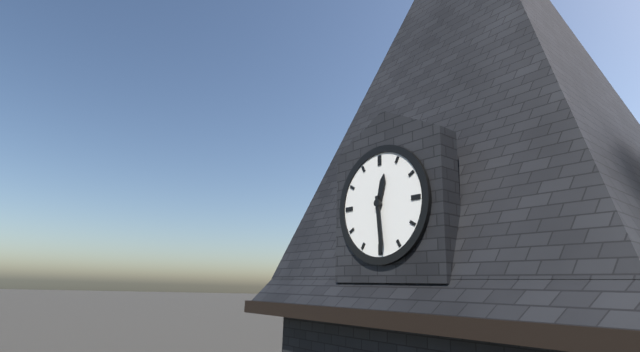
12:29
